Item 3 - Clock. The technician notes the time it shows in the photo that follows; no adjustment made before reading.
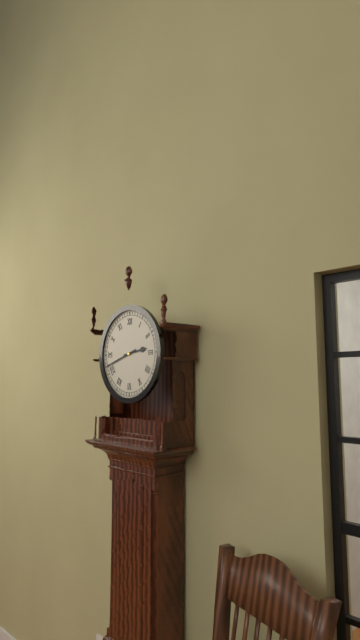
2:42
